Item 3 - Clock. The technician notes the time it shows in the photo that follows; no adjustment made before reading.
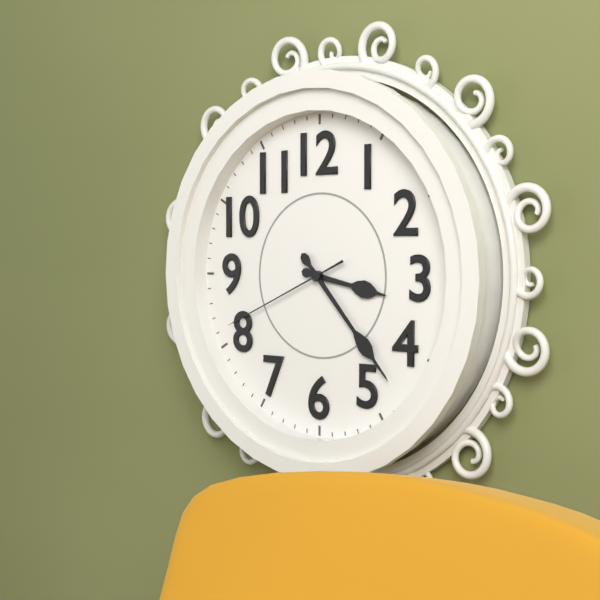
3:23:41
